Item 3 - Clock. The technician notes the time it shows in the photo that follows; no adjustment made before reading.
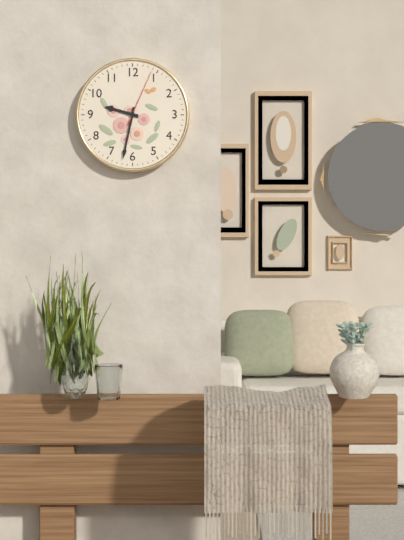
9:32:04
